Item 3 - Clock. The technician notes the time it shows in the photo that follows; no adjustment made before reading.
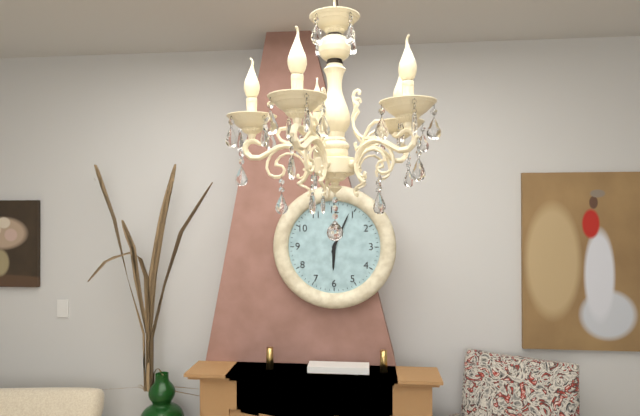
6:04
